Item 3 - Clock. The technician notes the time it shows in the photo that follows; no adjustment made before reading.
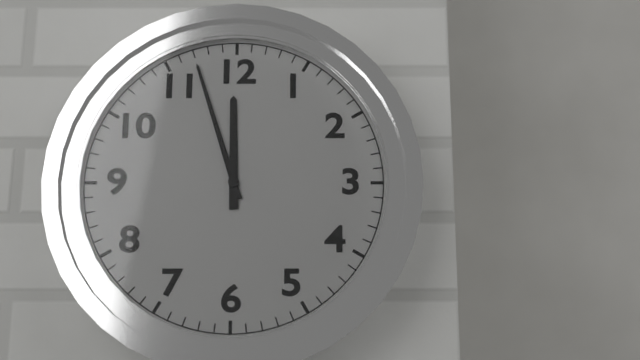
11:57
